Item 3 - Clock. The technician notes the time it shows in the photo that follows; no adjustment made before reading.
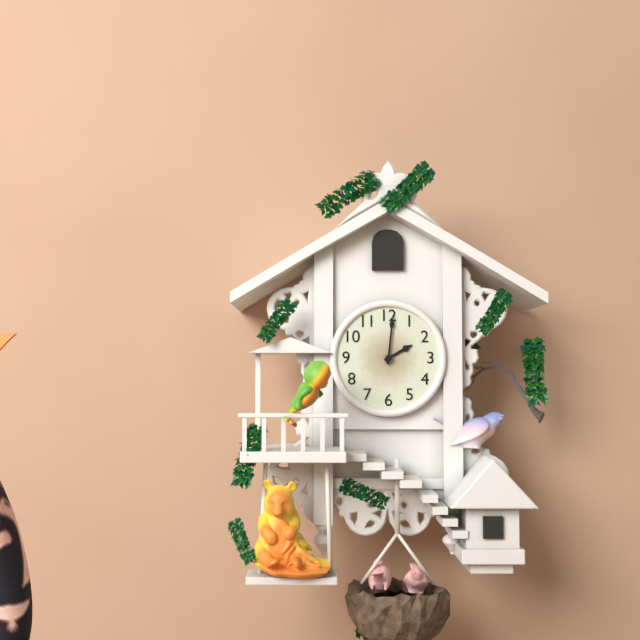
2:01
